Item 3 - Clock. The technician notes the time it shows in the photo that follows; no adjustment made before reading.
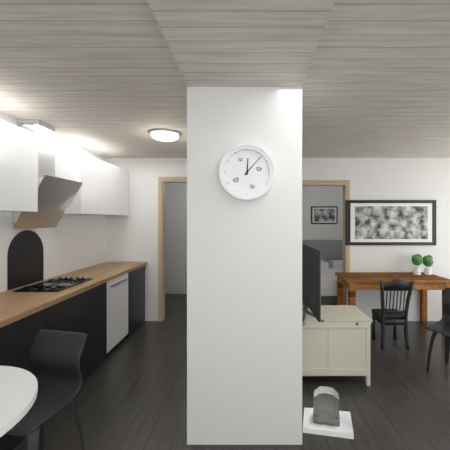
12:07
